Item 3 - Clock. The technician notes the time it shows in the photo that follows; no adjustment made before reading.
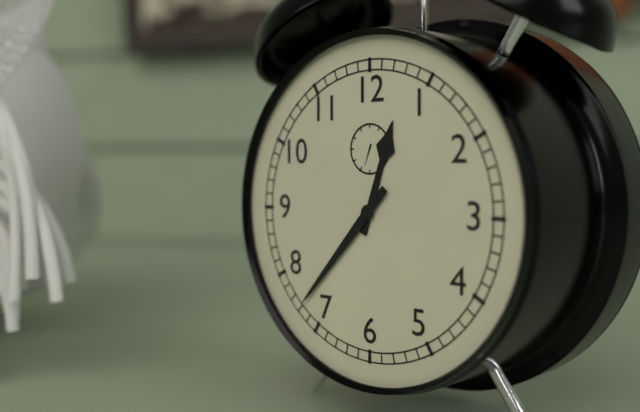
12:37
